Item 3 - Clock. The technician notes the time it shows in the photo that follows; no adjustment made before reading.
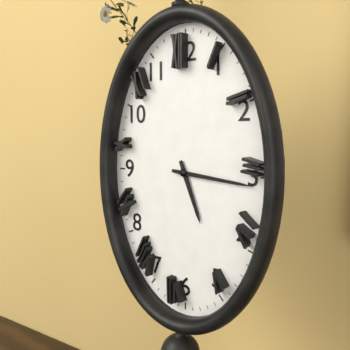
5:16
